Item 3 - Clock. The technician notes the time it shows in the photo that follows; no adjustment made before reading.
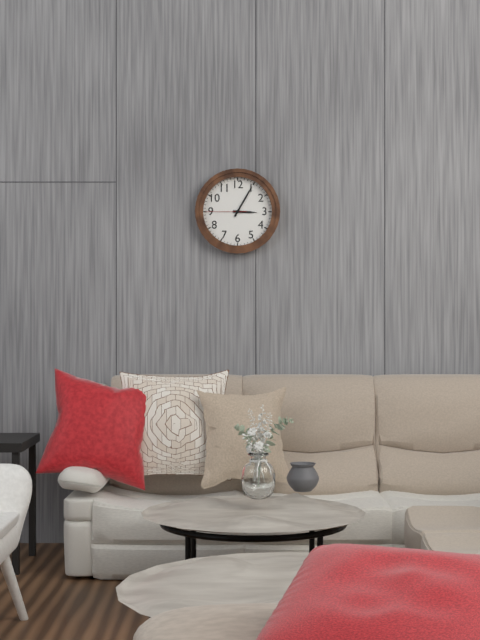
3:05
